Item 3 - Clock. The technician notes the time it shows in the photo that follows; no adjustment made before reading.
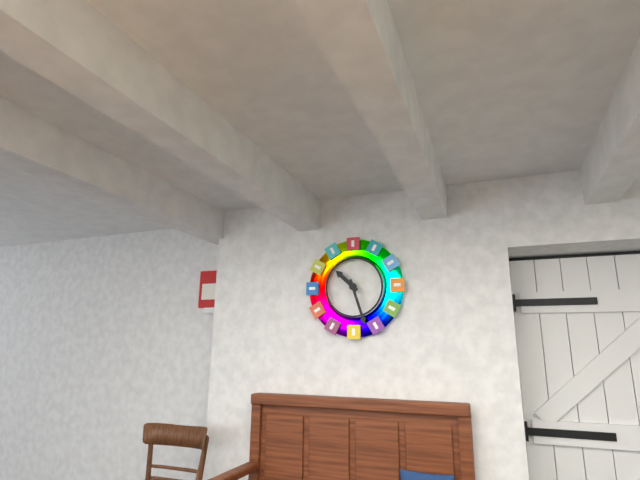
10:27
